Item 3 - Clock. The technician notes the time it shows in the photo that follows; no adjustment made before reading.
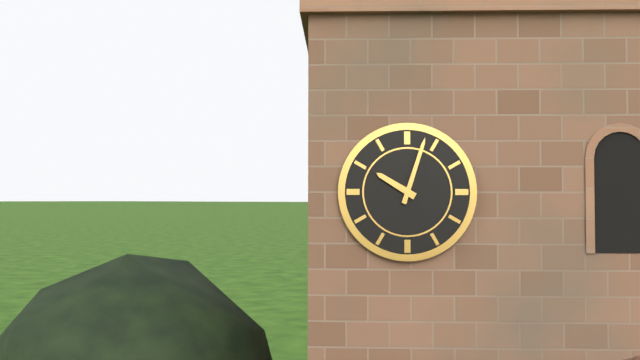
10:03
